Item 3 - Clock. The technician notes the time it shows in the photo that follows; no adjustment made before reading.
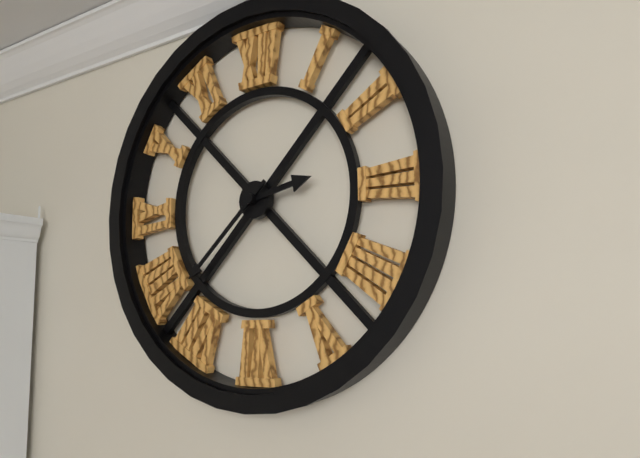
2:38
